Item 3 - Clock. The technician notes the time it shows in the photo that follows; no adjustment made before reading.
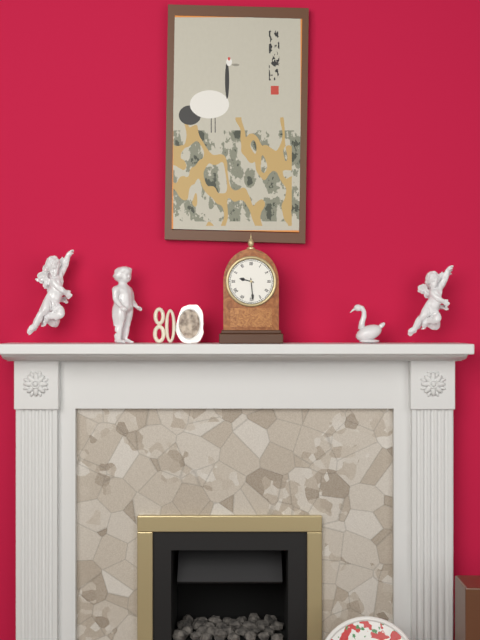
9:29
